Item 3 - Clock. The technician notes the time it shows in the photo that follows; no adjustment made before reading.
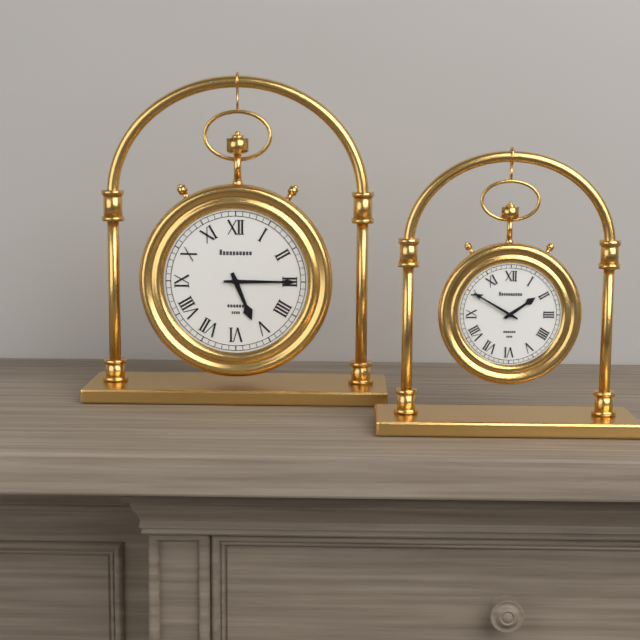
5:15
